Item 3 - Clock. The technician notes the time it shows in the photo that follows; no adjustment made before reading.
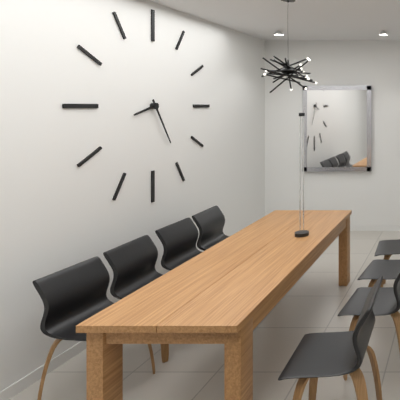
8:25
